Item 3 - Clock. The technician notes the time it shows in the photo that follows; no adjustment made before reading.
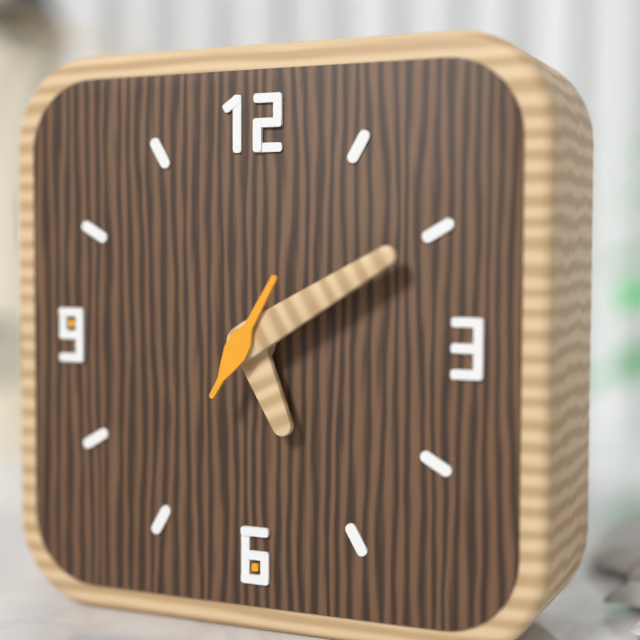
5:10:05
